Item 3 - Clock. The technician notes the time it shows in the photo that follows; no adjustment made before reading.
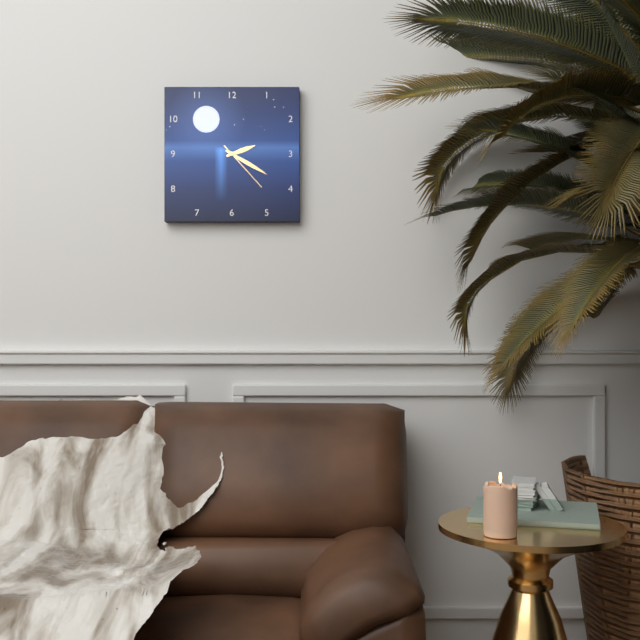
2:20:23
